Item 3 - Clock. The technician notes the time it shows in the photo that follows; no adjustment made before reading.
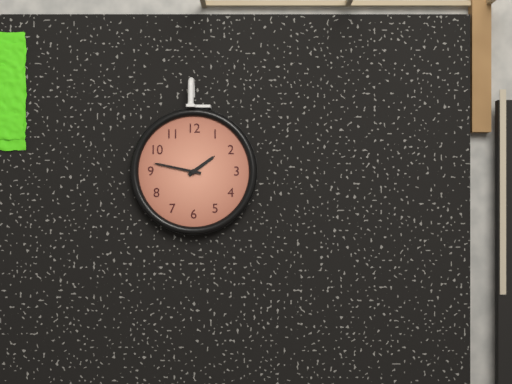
1:47
